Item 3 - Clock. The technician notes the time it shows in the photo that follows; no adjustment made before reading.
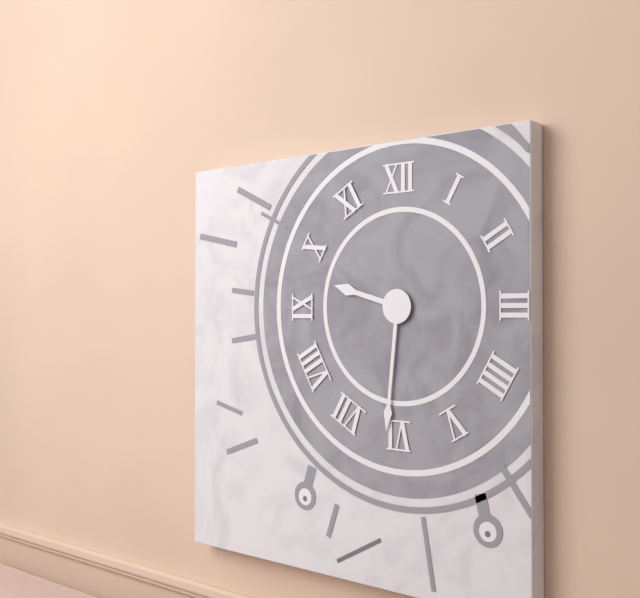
9:31
